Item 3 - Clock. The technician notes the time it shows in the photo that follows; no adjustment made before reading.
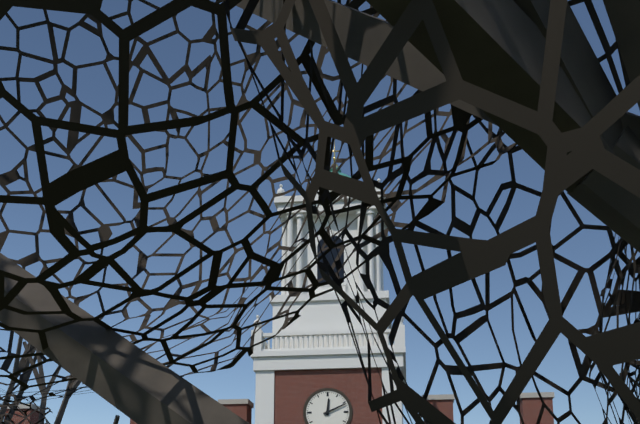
12:11
